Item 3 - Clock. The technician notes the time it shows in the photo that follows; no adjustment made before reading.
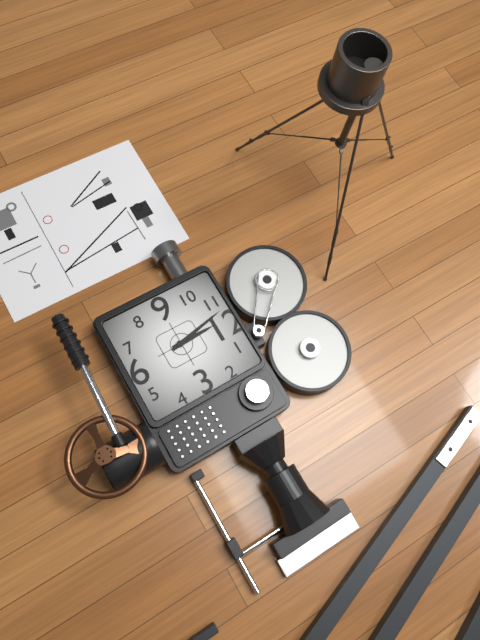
11:58
